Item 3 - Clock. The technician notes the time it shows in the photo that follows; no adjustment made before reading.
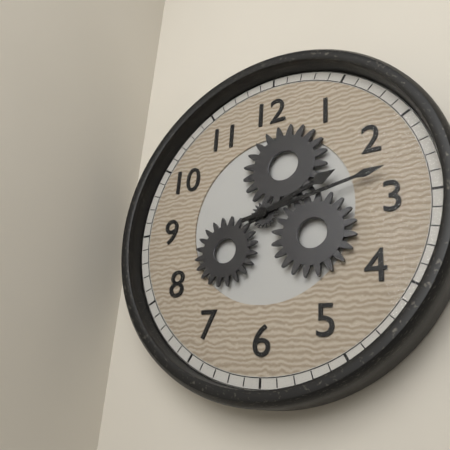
2:13
